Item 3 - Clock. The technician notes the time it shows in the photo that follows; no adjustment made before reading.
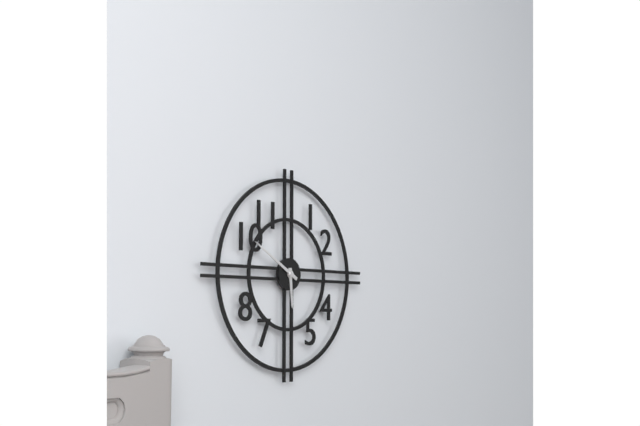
5:50
